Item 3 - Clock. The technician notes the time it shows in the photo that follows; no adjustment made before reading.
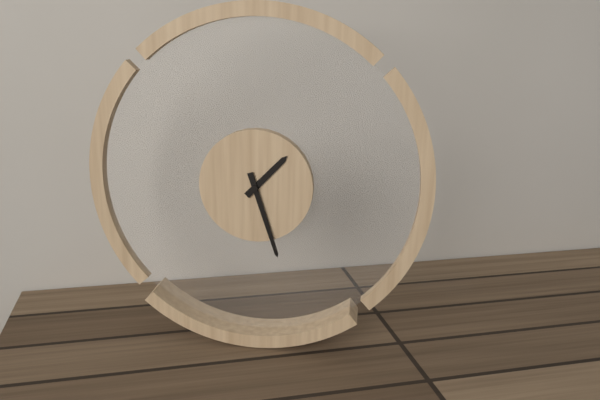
1:27
